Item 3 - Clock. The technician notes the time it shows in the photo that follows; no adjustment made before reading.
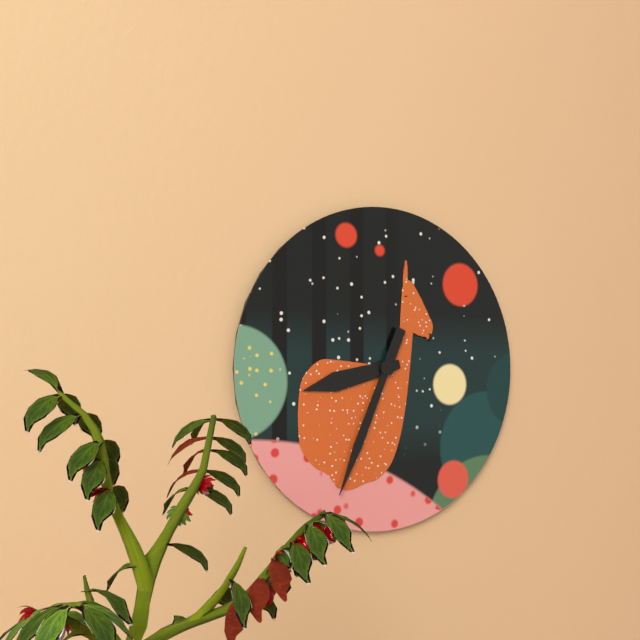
8:34
